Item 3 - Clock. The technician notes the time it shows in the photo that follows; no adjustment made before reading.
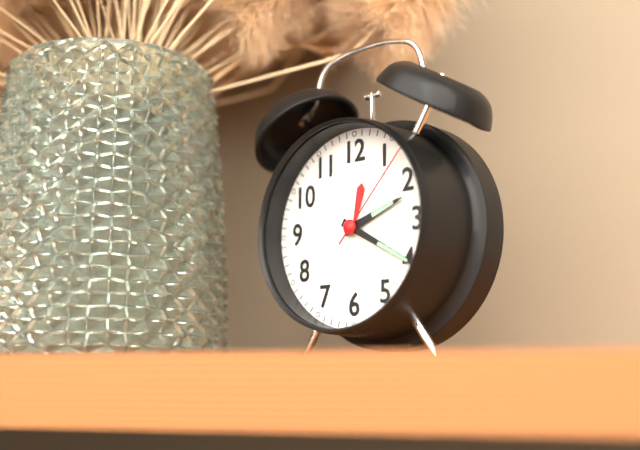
2:20:07
